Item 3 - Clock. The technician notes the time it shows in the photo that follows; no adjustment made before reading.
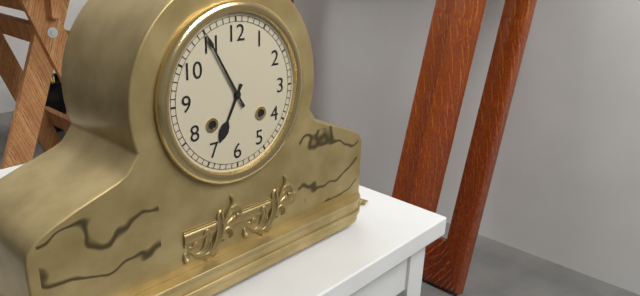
6:55
